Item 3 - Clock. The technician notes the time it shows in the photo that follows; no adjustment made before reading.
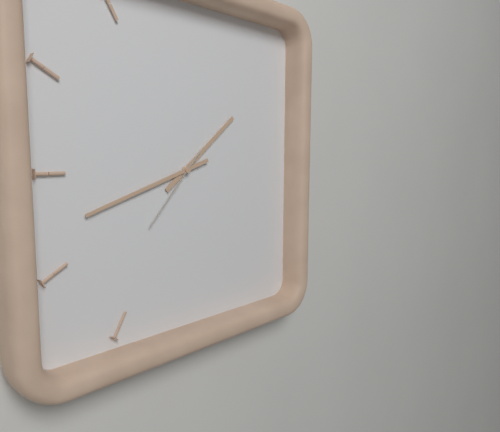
1:42:37
